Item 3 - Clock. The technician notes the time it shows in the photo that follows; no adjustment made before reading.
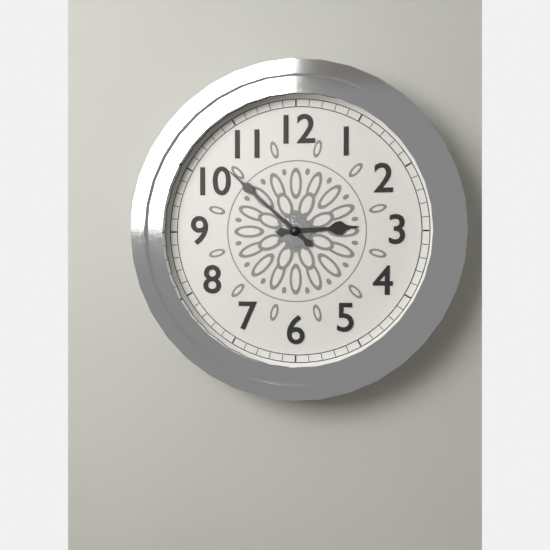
2:52
